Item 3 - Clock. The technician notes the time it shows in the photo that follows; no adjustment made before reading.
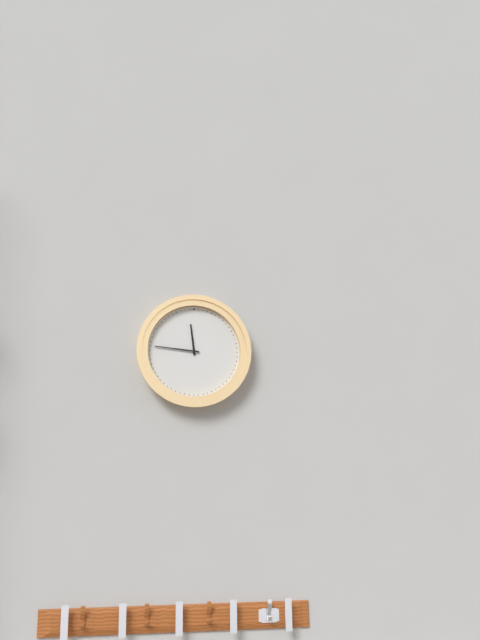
11:46
